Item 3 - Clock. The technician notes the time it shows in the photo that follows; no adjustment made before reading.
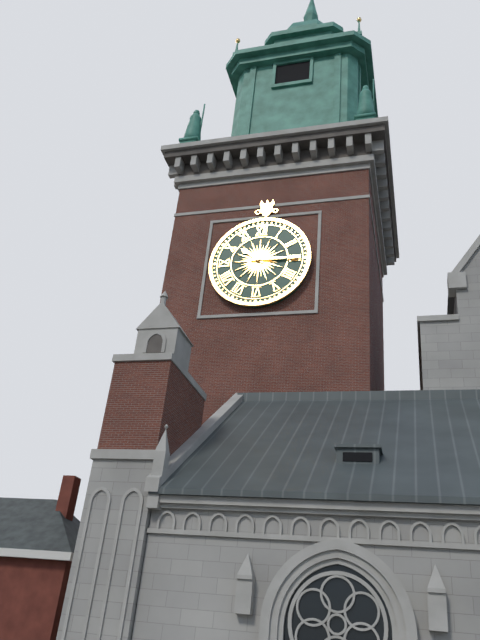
10:15
